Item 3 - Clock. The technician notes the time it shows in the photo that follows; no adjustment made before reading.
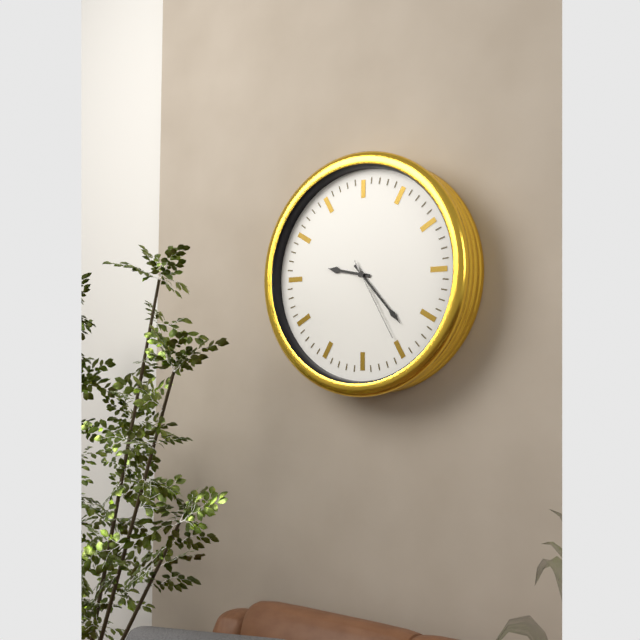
9:23:25
